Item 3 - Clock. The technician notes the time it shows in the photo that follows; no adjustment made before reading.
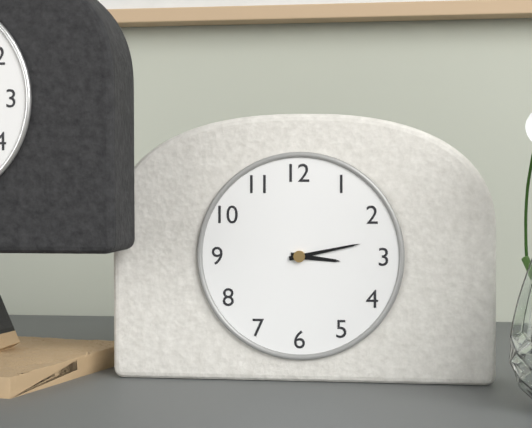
3:13
